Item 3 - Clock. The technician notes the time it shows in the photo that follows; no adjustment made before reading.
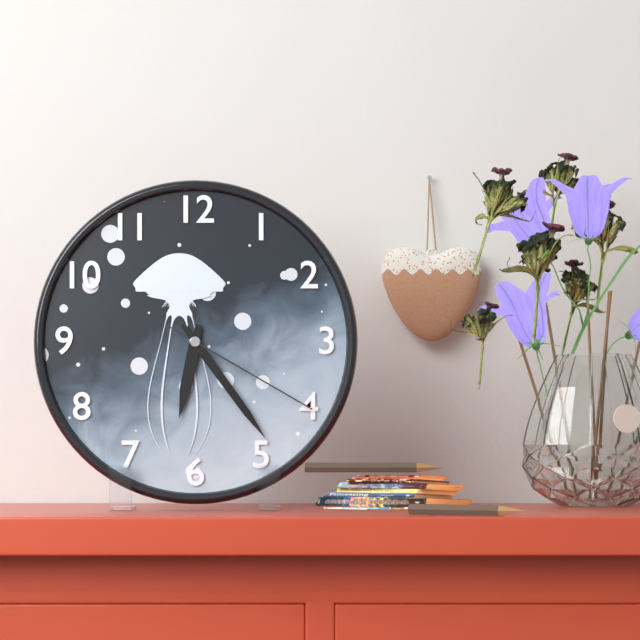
6:24:20
